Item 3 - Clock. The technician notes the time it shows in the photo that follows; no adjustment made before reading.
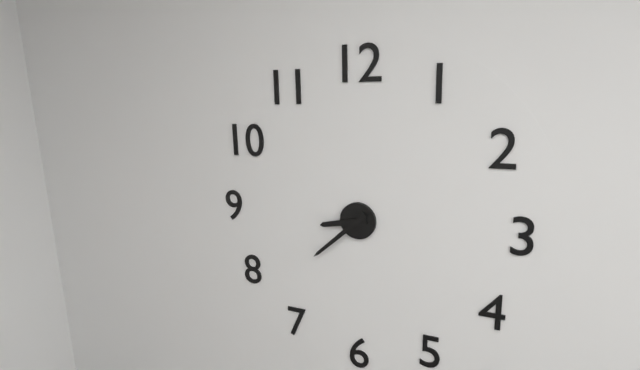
8:38
